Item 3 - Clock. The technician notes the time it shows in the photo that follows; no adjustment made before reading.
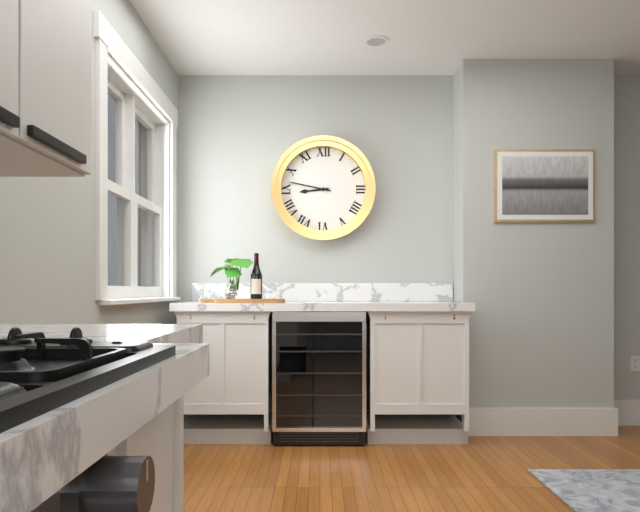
8:47
